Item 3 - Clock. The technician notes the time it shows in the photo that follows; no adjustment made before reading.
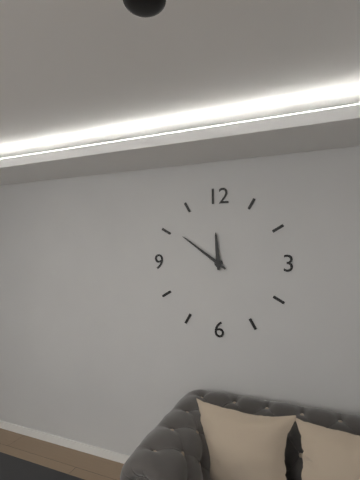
11:51
